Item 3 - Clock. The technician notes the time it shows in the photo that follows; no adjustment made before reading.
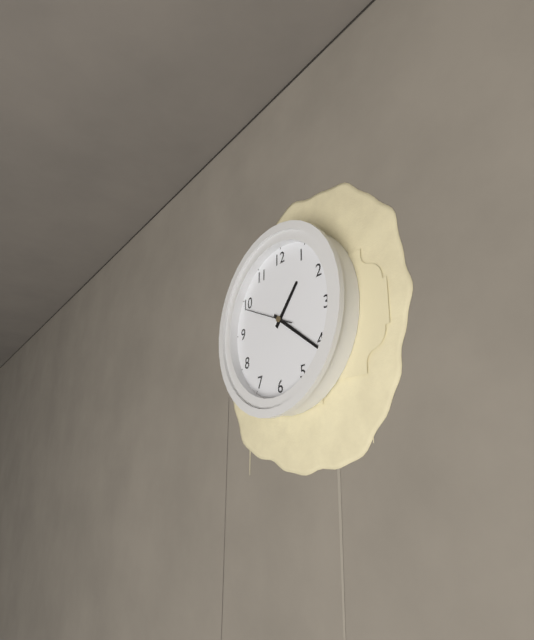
1:21
